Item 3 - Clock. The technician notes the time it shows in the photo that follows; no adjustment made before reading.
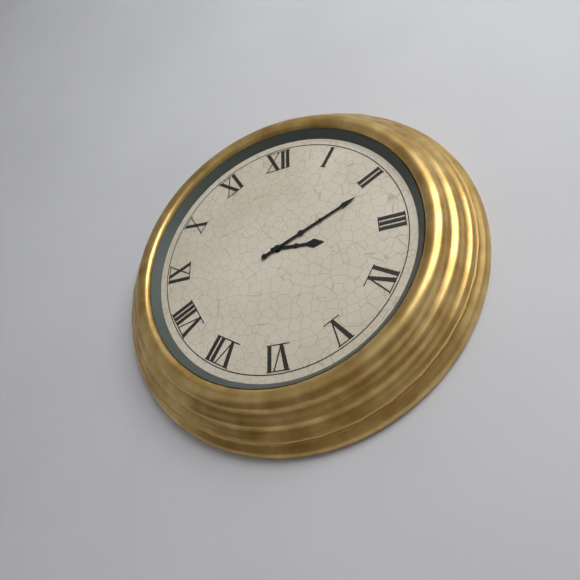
3:11
